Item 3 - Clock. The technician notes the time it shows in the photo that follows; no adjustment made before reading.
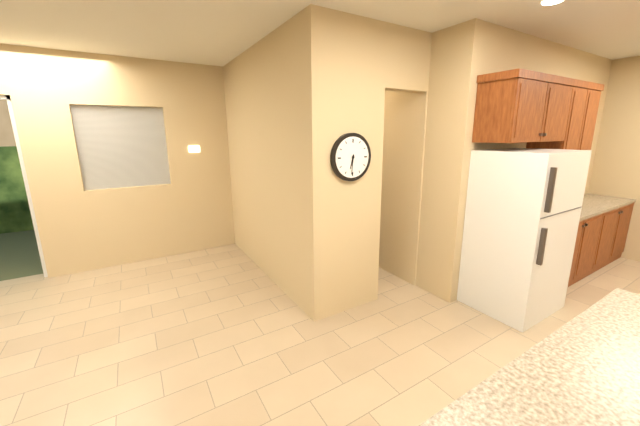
6:31
